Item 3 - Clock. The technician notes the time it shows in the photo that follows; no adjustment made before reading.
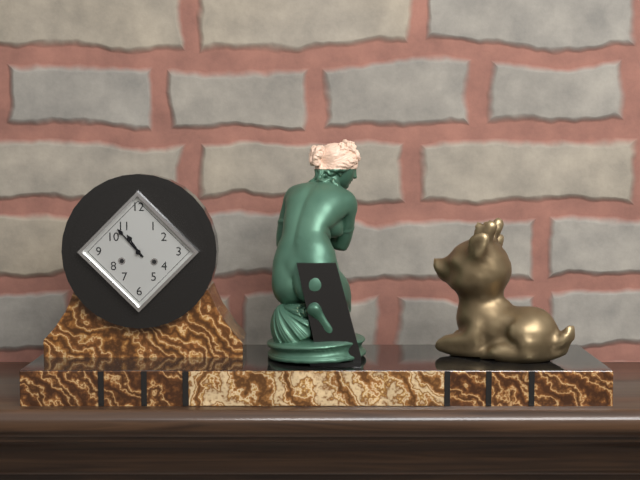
10:53
